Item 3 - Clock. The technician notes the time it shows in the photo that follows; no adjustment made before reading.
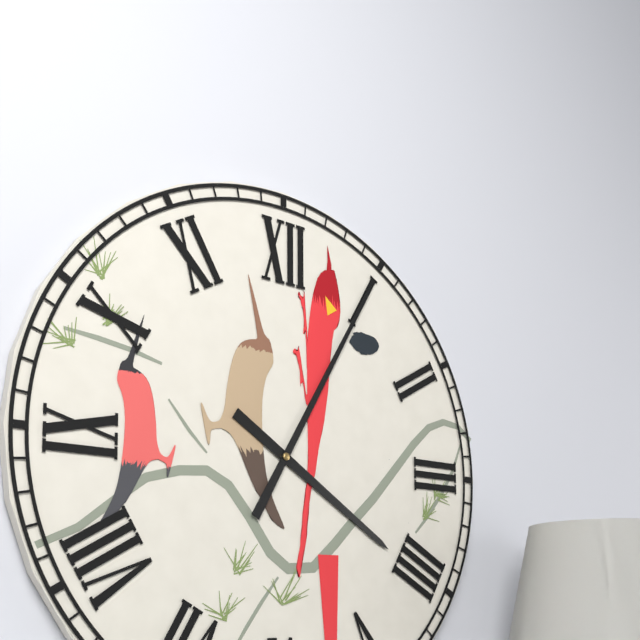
4:05
